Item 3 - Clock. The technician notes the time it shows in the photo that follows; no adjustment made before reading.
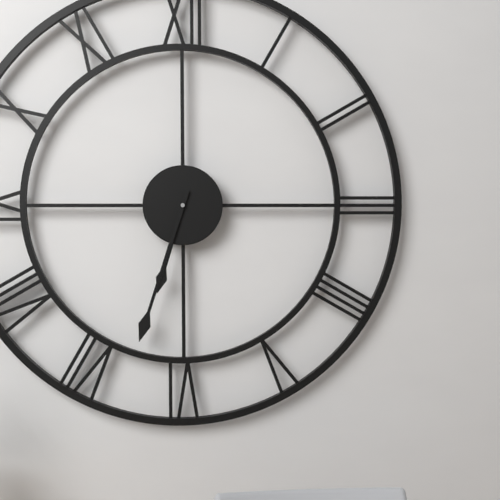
6:33
